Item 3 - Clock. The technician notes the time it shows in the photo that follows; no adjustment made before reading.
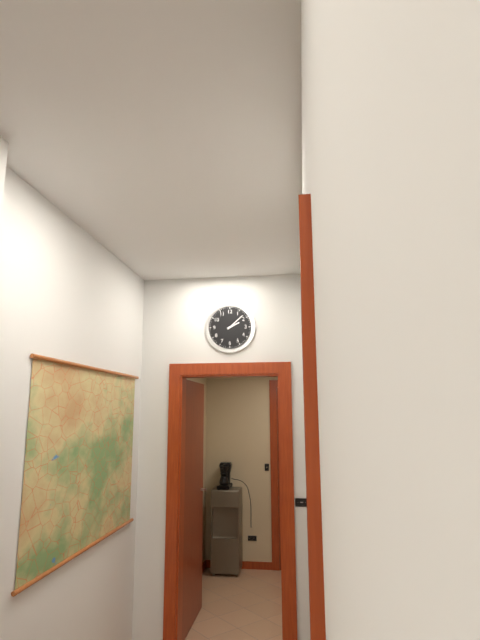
2:08
